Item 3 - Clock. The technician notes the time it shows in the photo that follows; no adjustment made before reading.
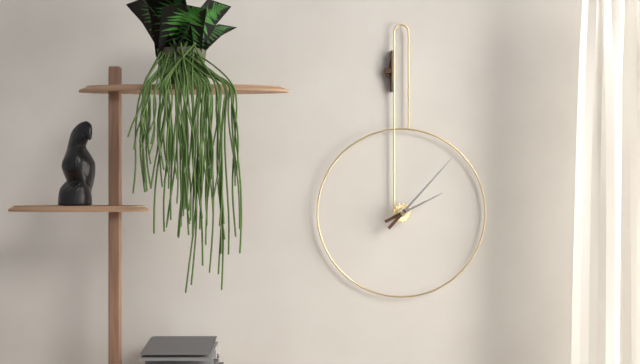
2:07
